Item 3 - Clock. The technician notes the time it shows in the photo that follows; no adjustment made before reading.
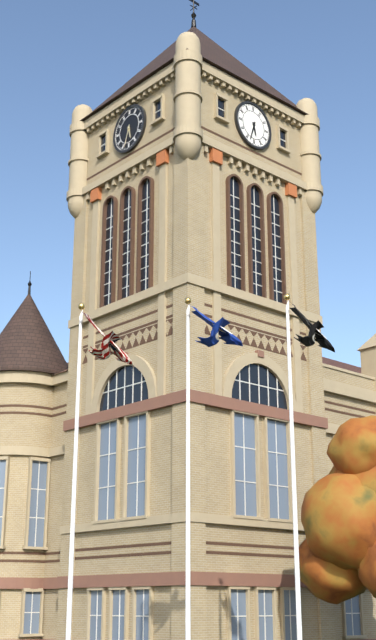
5:33
